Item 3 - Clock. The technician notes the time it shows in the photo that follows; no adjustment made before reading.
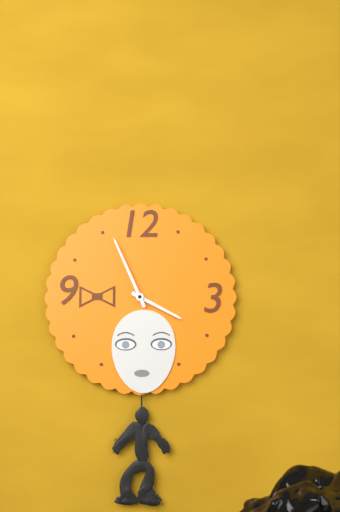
3:56
